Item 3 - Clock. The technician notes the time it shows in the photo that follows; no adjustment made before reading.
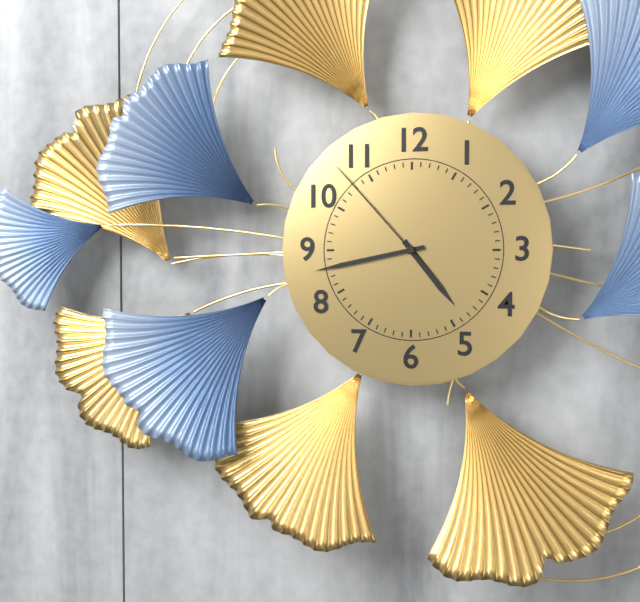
4:43:53
